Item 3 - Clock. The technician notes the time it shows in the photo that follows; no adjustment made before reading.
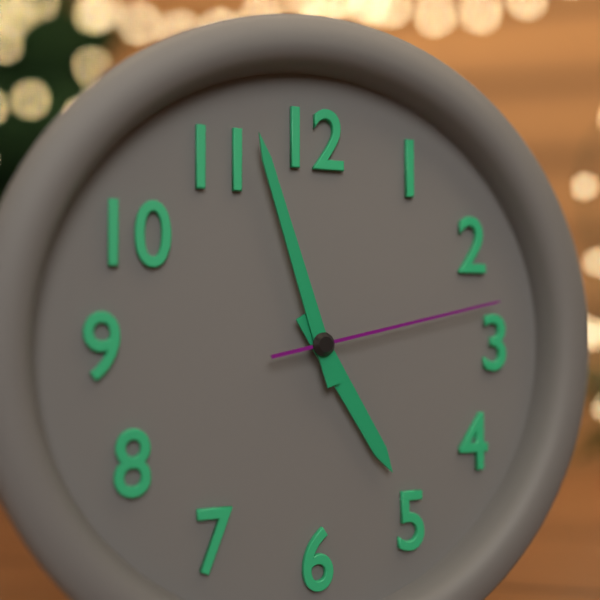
4:57:13
